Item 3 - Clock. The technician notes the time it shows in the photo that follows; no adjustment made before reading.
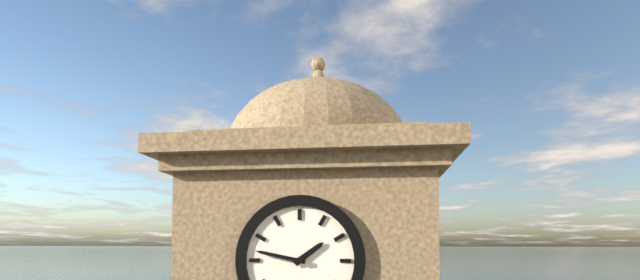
1:47
